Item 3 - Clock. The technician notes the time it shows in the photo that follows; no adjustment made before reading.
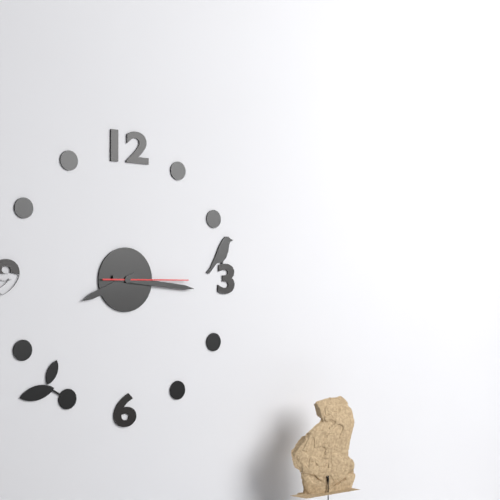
8:16
